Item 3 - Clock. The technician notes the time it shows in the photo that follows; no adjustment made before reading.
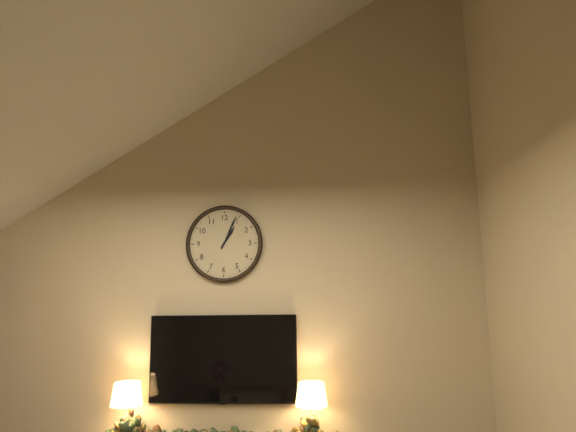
1:04
